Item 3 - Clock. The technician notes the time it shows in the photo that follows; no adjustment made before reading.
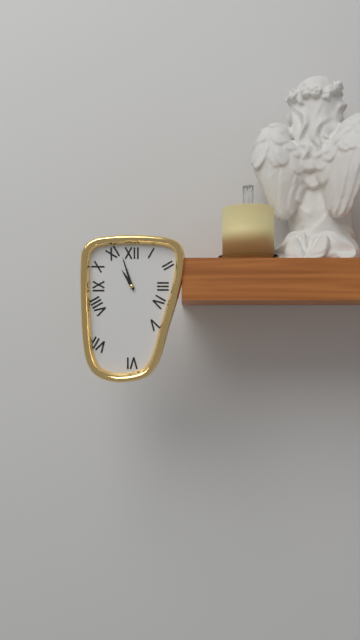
10:57
